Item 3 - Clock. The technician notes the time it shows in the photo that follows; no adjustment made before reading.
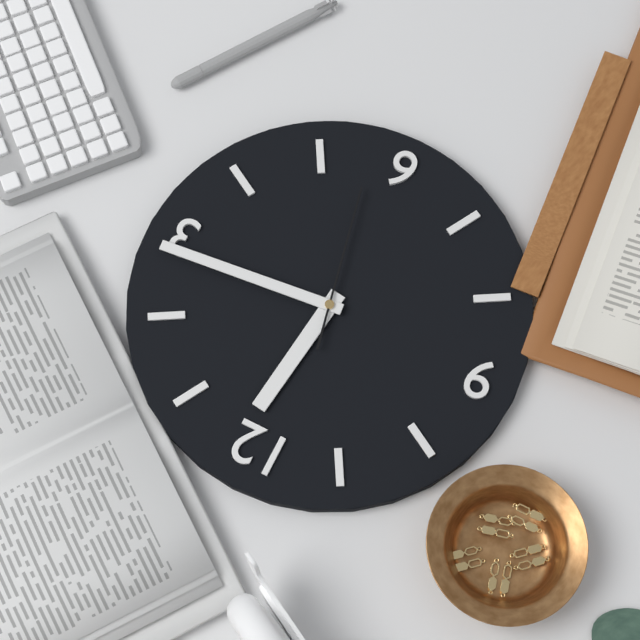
12:14:28
